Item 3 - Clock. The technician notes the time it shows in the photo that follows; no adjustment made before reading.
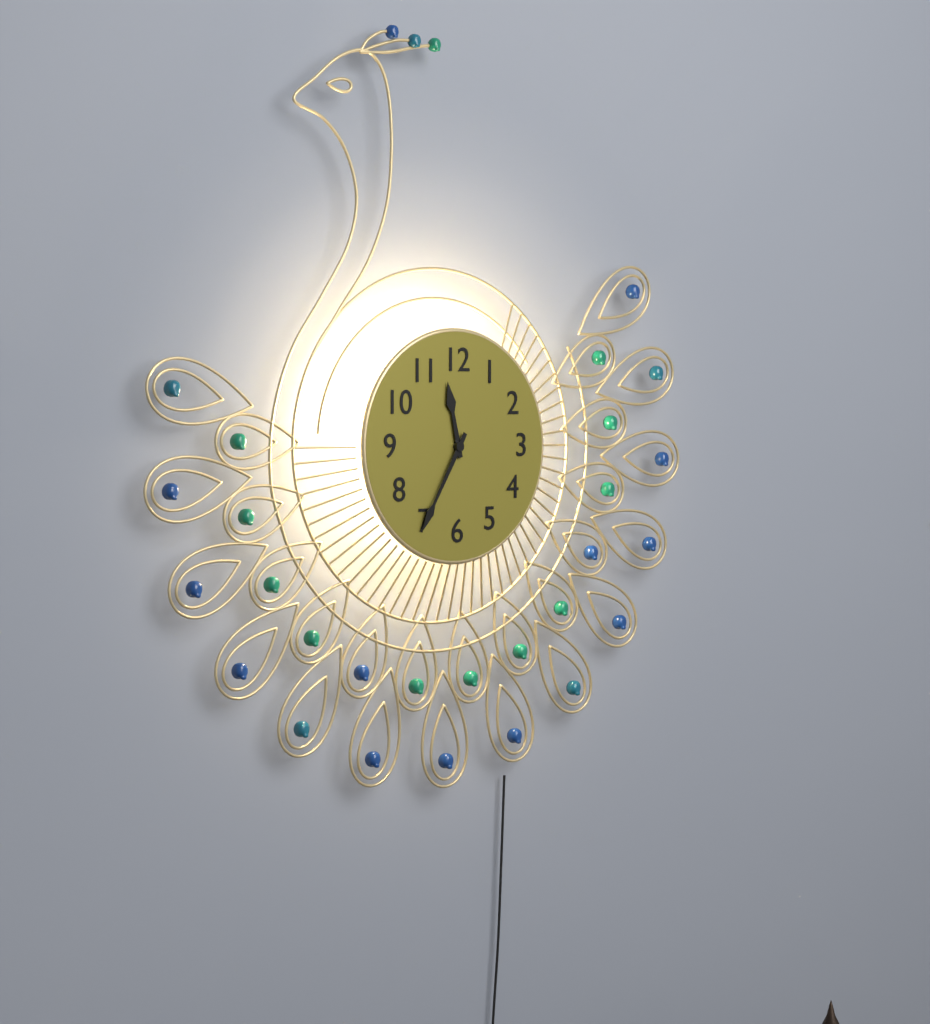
11:35
